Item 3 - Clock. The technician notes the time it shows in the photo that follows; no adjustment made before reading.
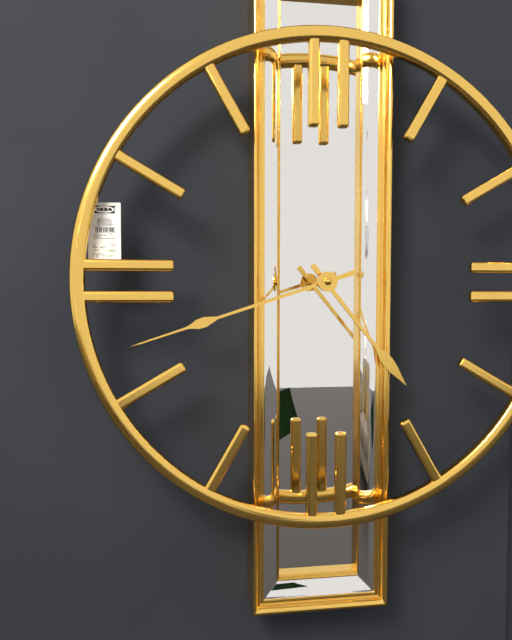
4:42
